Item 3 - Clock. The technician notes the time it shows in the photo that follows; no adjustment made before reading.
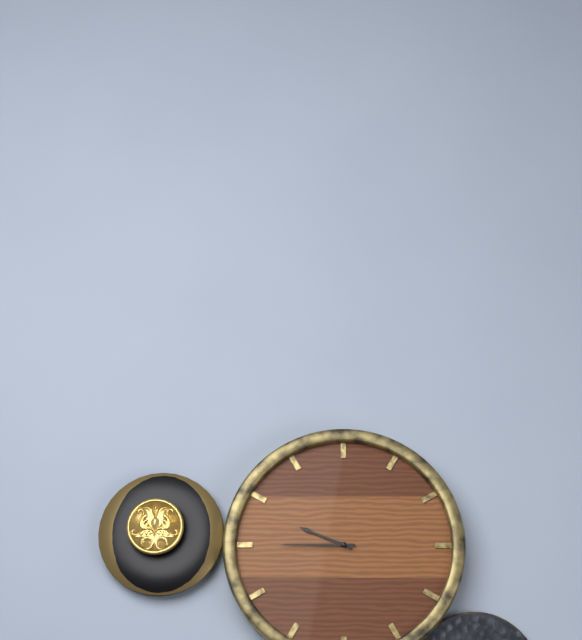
9:45
